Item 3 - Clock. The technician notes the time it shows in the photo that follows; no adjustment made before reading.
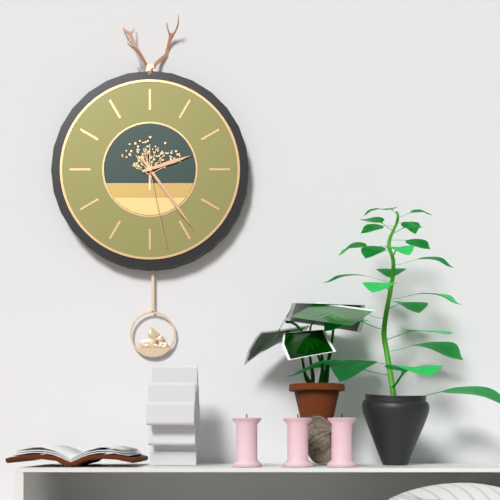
2:24:28
